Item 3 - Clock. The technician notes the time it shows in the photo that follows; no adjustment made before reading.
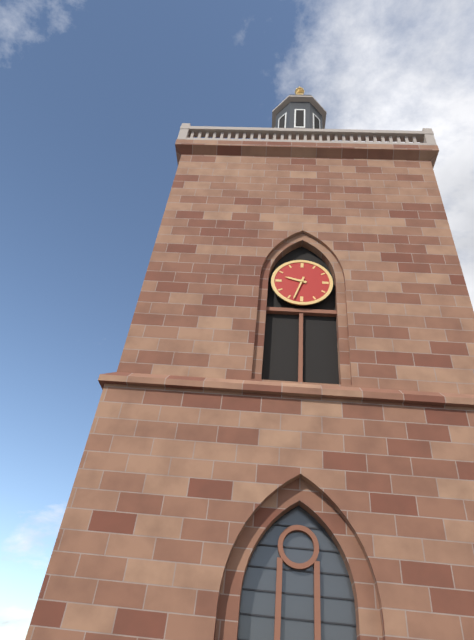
9:33
